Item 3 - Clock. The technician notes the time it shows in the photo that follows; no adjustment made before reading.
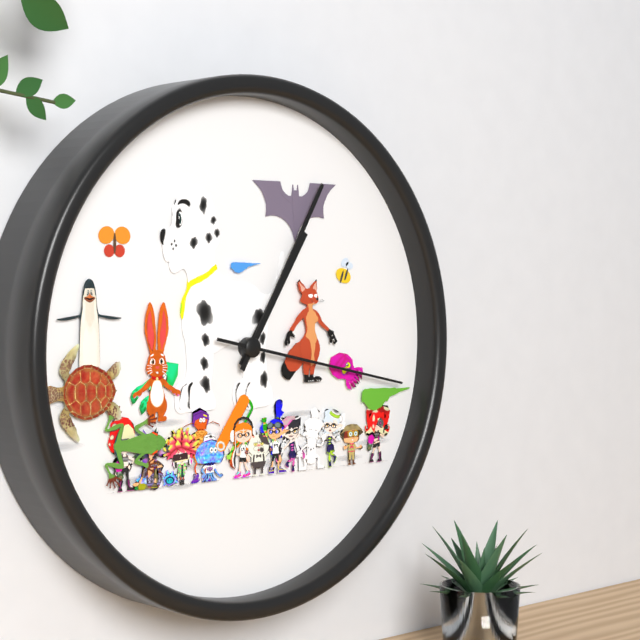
1:05:17
